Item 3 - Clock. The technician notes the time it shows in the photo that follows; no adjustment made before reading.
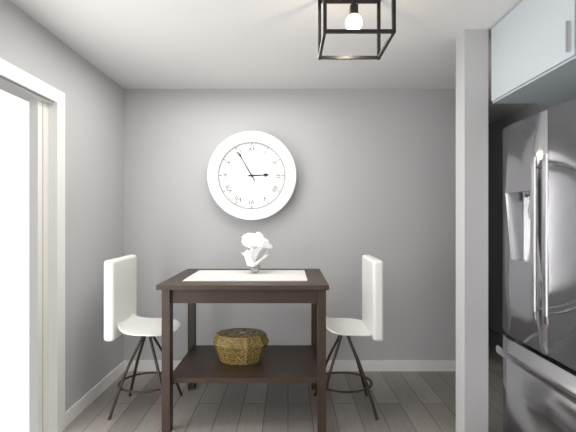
2:55
